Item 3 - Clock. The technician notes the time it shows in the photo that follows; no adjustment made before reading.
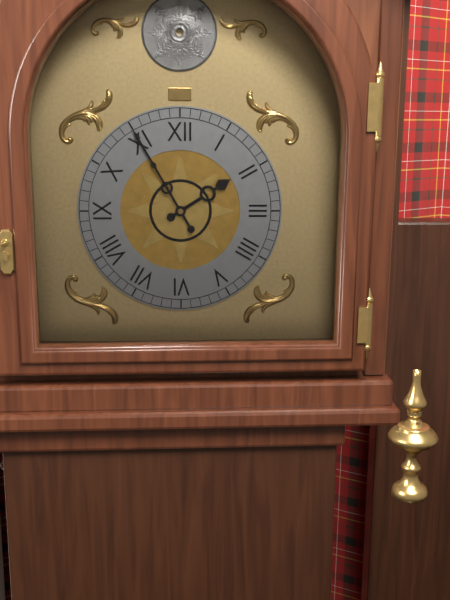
1:55
